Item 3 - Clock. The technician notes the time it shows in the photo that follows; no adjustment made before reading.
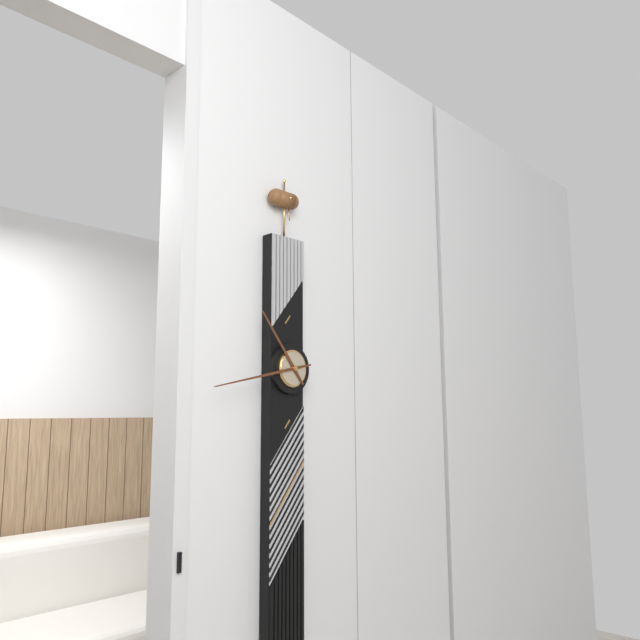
10:43
